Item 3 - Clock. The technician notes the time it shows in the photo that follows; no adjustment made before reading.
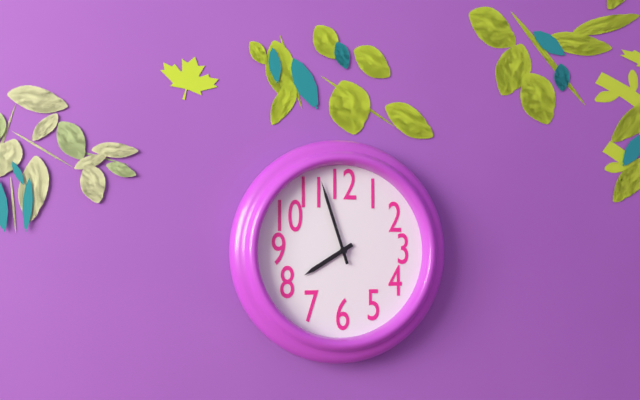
7:57
